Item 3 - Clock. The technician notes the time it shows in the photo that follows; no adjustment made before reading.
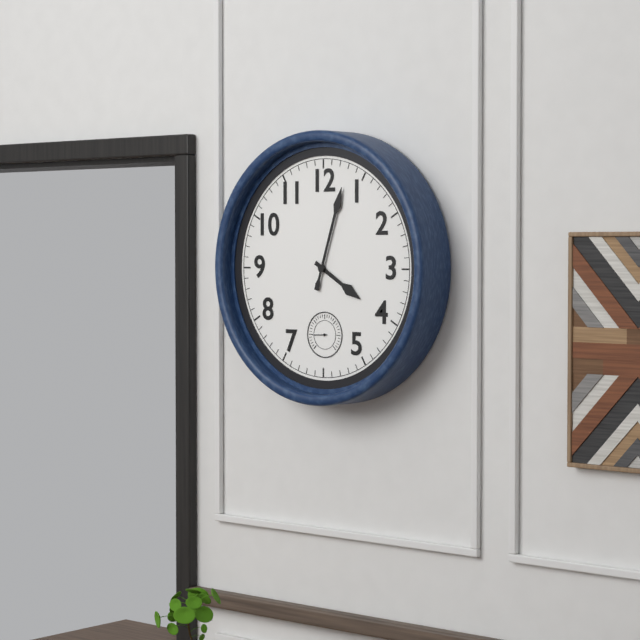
4:03
